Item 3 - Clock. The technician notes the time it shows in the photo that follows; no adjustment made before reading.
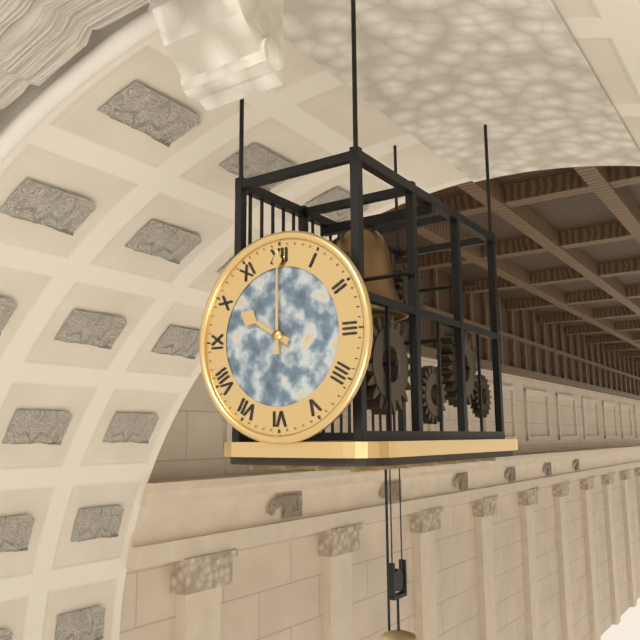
10:00
